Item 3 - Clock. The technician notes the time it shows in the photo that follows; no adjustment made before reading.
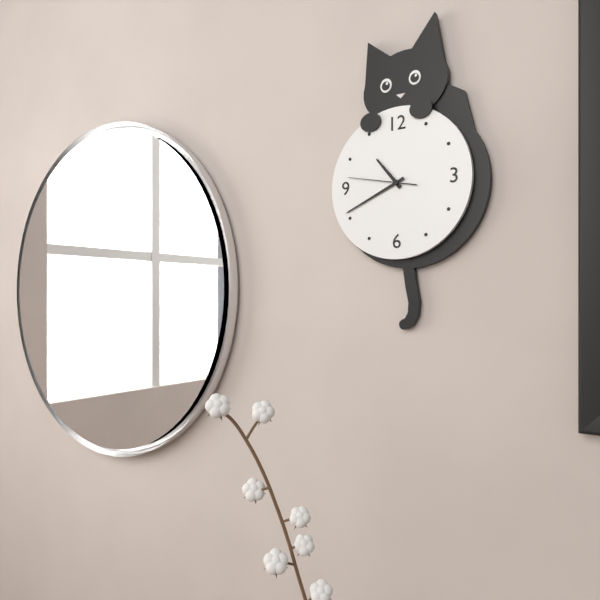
10:41:47
